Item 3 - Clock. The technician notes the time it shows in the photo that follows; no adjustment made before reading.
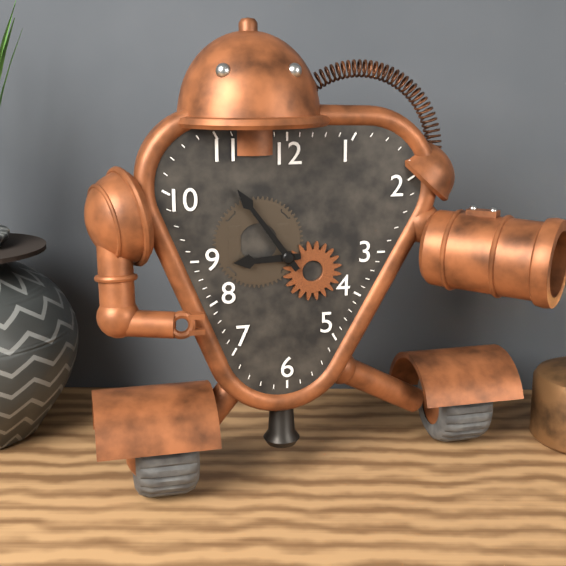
8:54
